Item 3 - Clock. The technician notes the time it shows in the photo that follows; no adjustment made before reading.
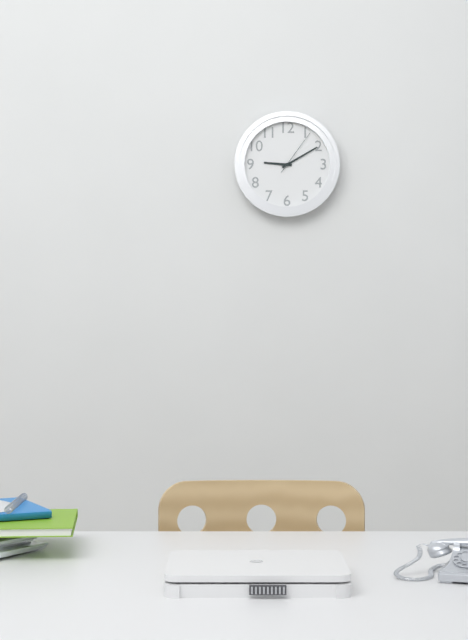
9:10
